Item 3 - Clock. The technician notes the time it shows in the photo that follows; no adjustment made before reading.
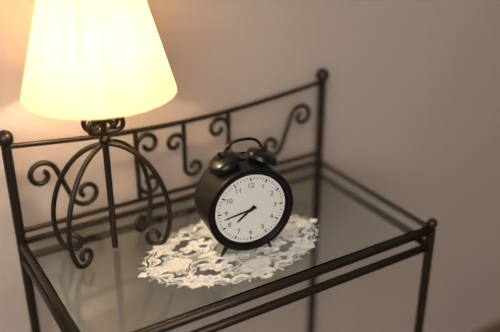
7:43
